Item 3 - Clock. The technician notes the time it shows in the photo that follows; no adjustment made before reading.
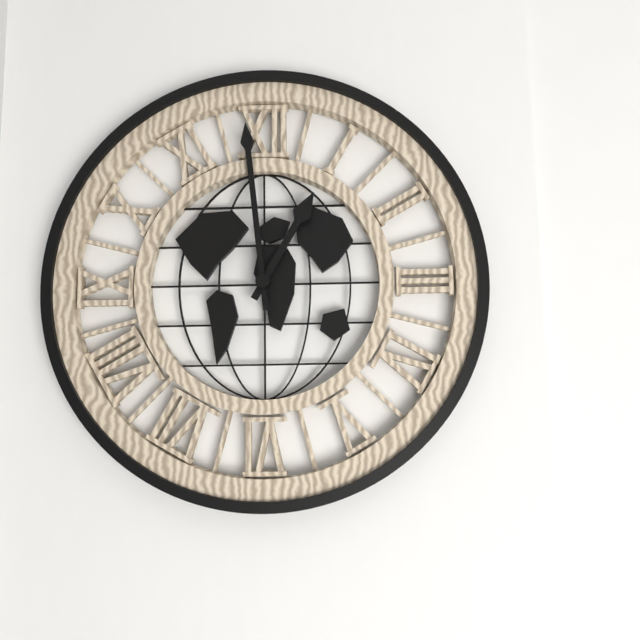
12:59
